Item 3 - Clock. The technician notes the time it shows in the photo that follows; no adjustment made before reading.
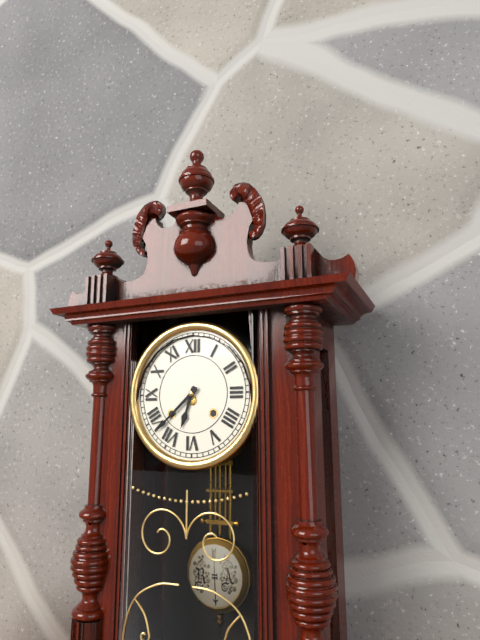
6:38
